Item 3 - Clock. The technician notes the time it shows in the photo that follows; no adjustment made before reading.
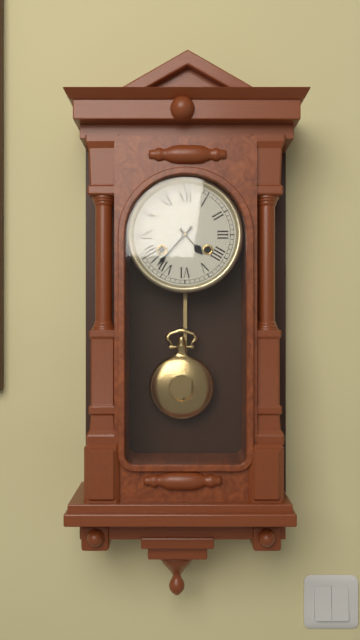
4:37
